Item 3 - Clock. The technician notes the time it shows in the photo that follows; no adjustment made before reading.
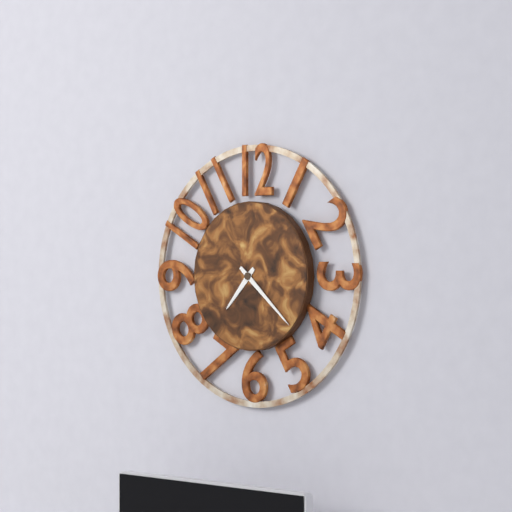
7:22
